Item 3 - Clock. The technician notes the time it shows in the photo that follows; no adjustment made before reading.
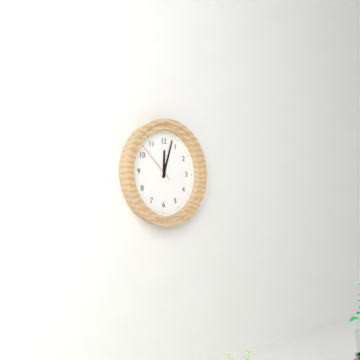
12:03
